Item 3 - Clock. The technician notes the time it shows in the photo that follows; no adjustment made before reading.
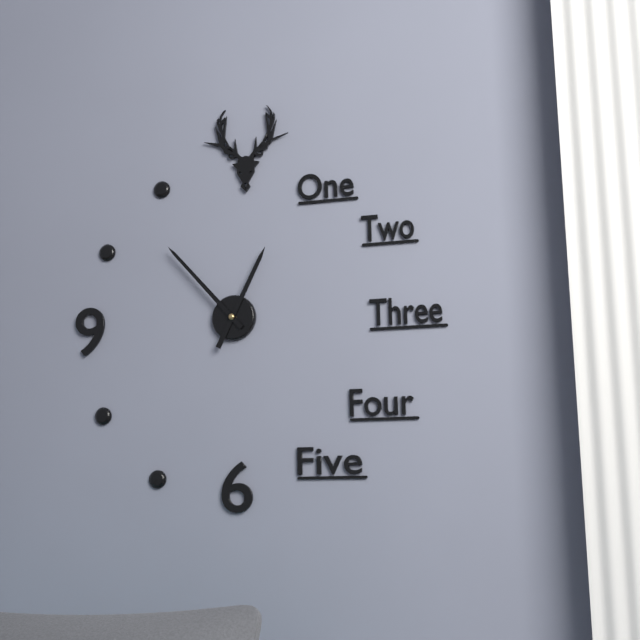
12:53
